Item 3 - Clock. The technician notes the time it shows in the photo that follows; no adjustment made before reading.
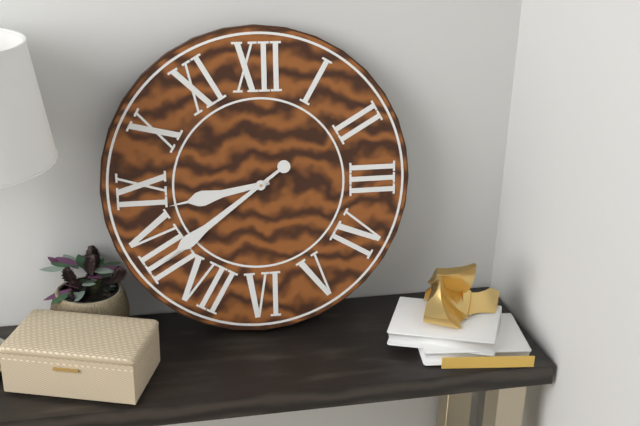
8:39
